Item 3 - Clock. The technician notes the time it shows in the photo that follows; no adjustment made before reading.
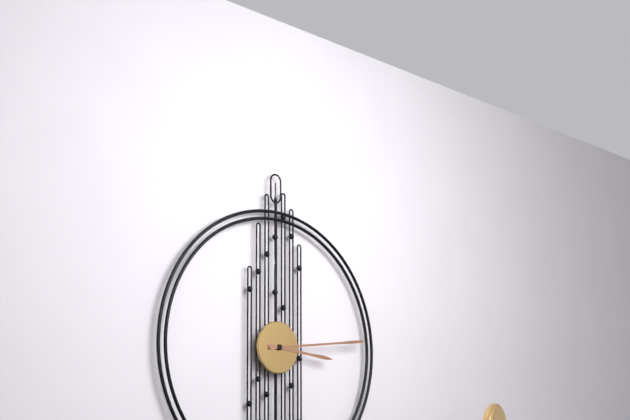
3:14
